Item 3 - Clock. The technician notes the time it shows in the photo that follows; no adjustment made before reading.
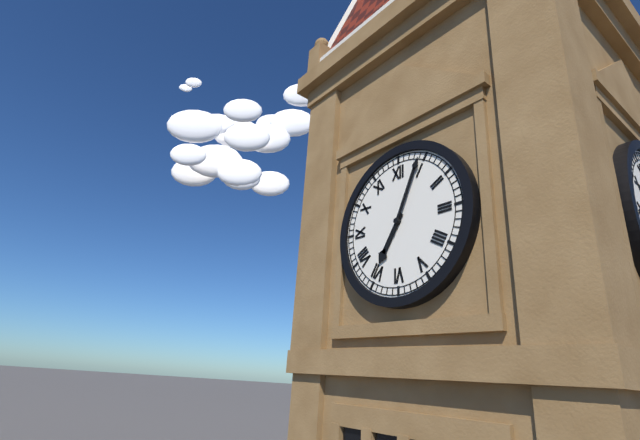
7:04
